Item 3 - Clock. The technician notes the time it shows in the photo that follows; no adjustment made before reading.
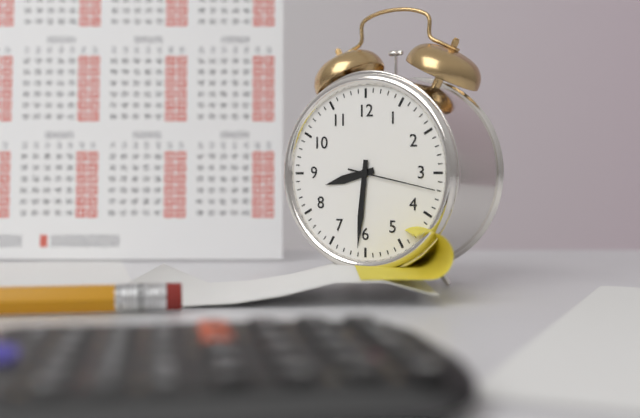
8:31:17
